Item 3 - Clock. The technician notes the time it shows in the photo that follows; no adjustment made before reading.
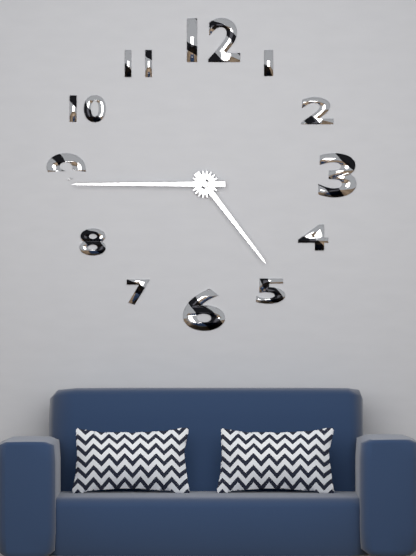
4:45
